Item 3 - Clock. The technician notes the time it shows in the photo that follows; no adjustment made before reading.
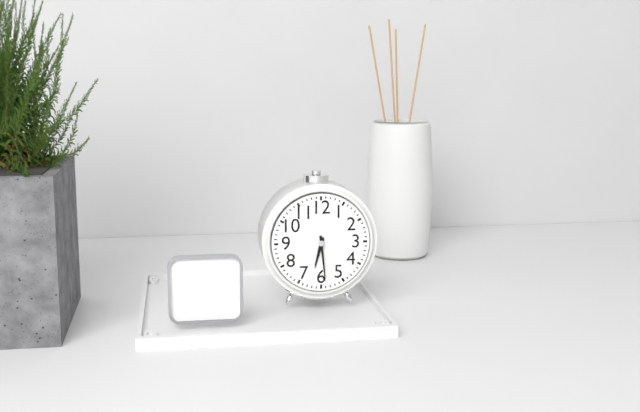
6:29
